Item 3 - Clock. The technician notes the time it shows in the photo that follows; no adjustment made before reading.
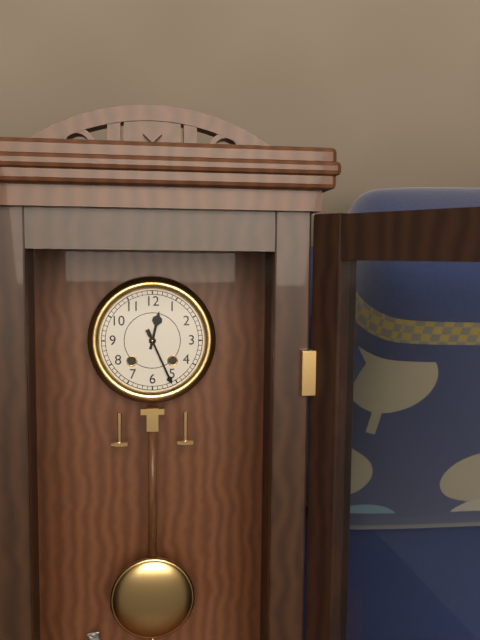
12:26
